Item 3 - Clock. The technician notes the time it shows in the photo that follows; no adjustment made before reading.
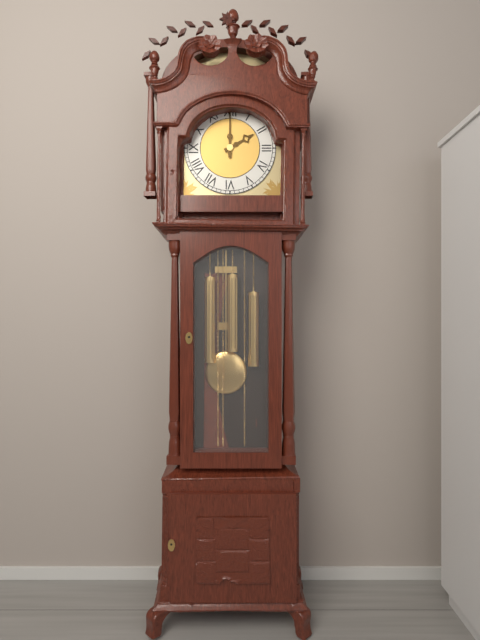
2:00
